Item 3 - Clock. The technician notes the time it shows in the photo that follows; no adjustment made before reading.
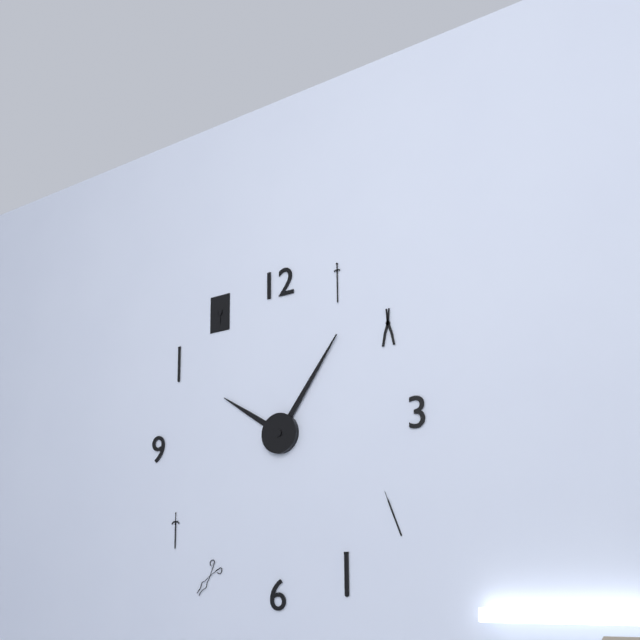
10:06
